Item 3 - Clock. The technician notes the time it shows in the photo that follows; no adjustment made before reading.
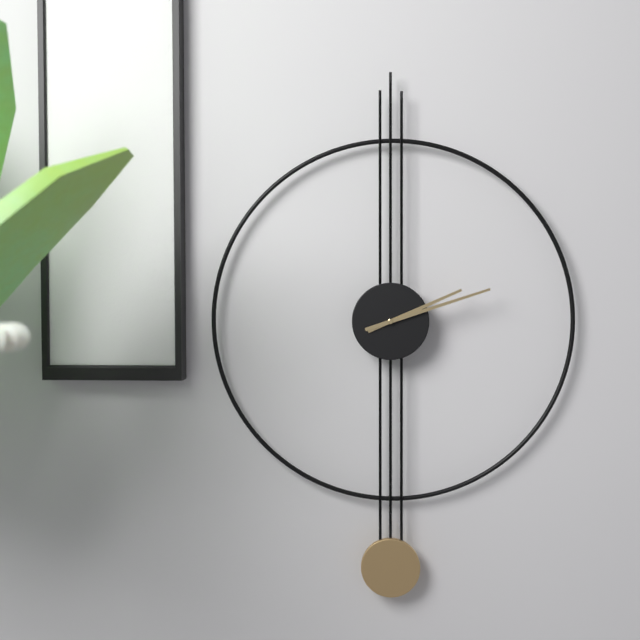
2:12
